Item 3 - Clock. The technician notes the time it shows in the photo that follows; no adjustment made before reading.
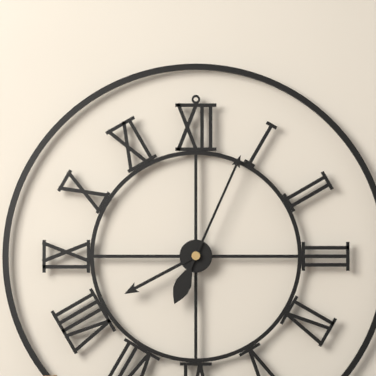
8:04
